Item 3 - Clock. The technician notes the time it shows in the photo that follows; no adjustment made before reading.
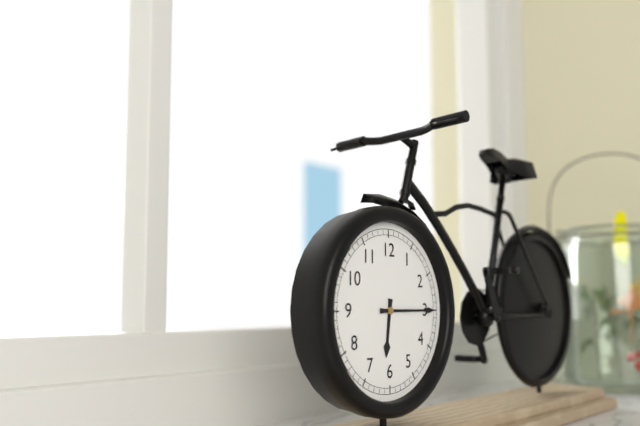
6:15
